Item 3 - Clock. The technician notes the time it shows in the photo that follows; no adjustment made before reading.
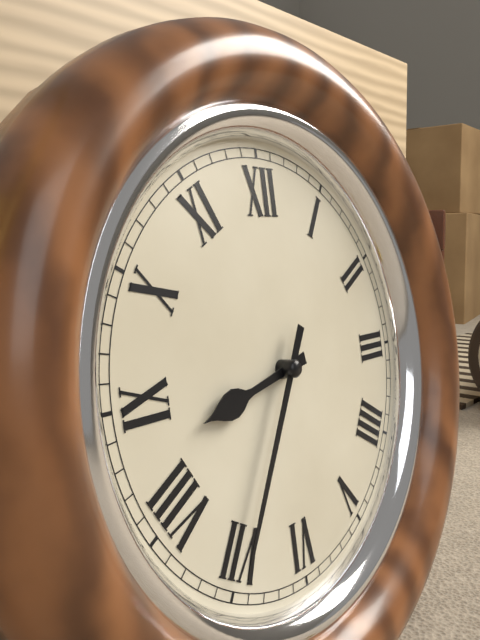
8:35
